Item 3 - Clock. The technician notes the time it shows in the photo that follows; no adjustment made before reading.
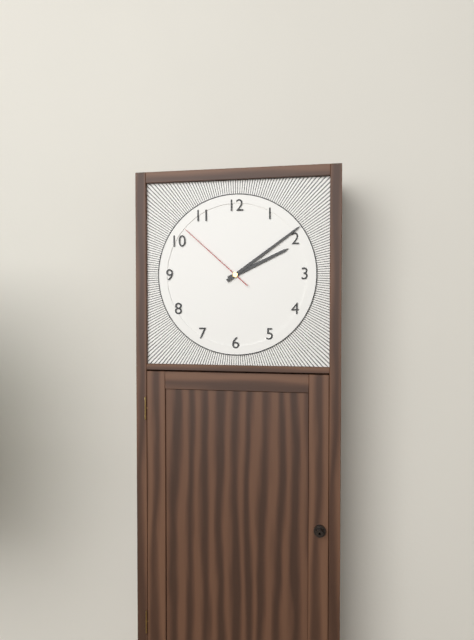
2:09:52
